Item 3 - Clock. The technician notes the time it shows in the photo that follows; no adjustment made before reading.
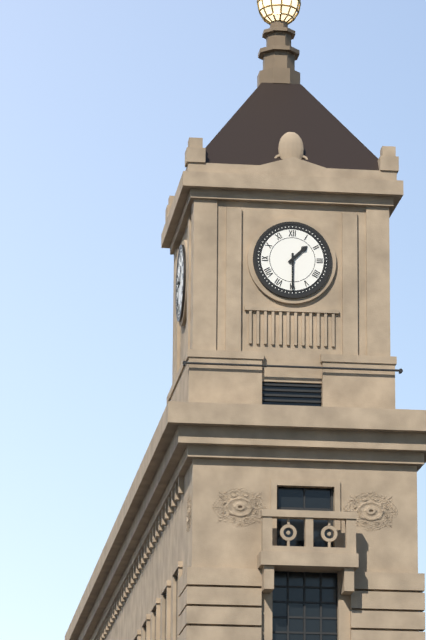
1:30
